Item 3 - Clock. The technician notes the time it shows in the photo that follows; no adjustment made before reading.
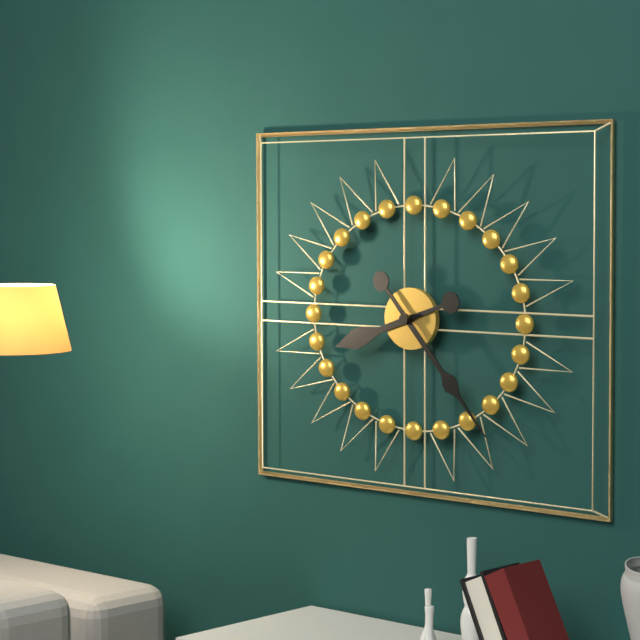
8:23
